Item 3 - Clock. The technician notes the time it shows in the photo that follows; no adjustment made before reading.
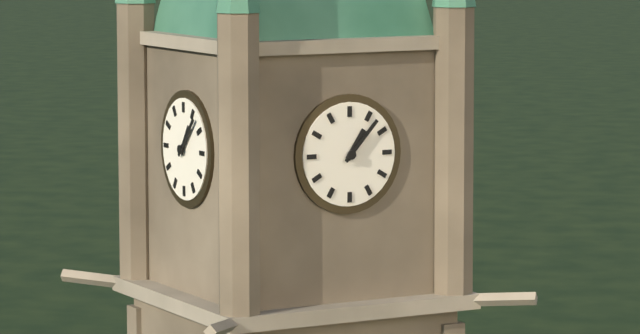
1:07
